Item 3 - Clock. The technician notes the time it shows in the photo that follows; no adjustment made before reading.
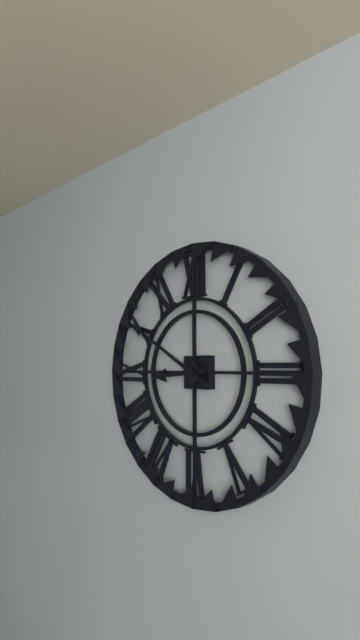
8:50
